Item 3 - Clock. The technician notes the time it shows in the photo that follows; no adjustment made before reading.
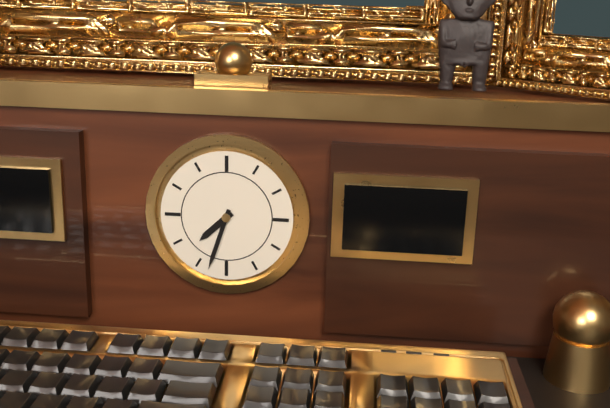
7:33
